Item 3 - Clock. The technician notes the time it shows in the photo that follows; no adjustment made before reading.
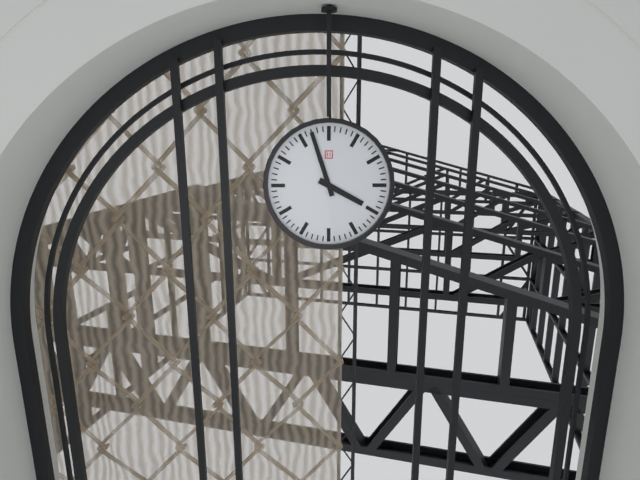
3:57
